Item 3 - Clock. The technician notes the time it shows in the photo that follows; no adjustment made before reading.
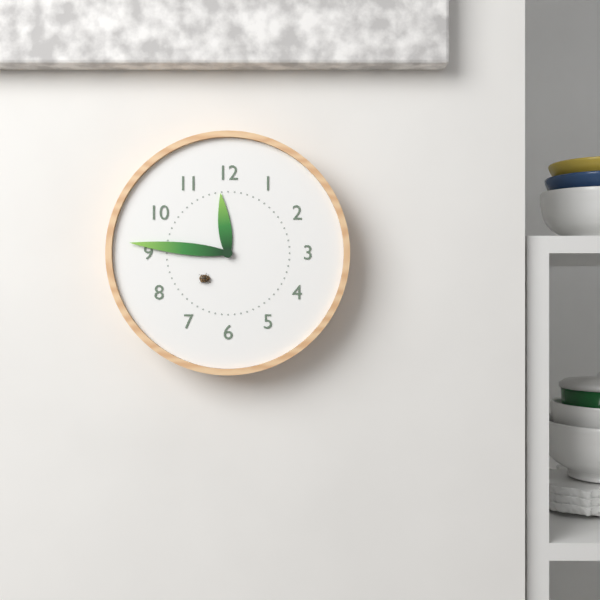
11:46
